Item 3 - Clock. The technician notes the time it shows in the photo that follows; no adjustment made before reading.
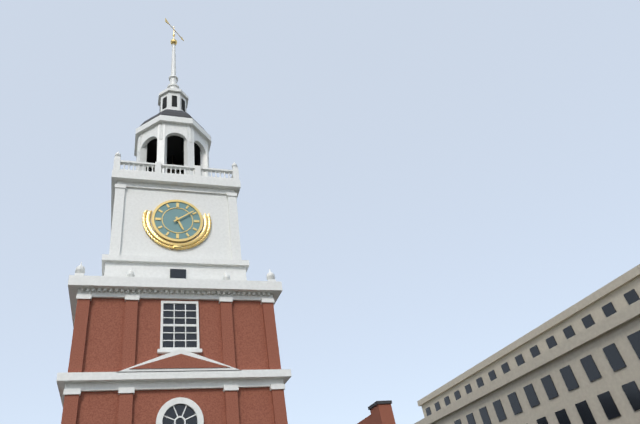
5:09
